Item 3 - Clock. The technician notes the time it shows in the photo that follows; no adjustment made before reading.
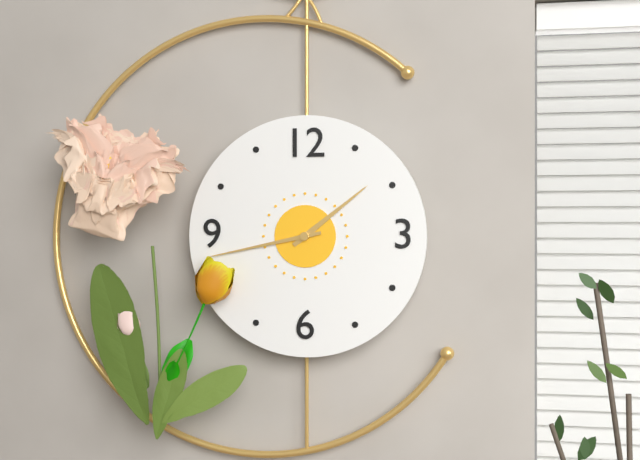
1:43
